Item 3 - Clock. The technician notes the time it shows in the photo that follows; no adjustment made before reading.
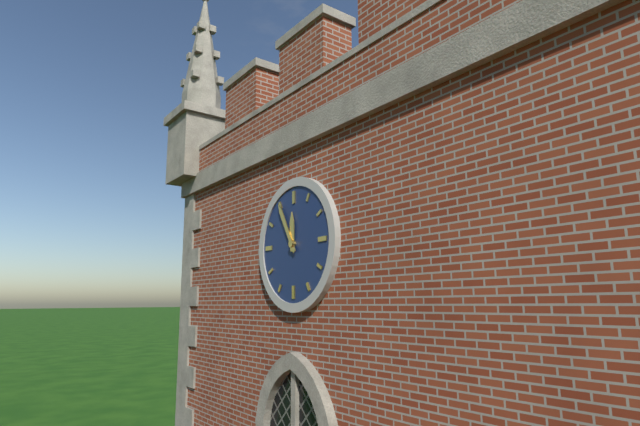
11:55
